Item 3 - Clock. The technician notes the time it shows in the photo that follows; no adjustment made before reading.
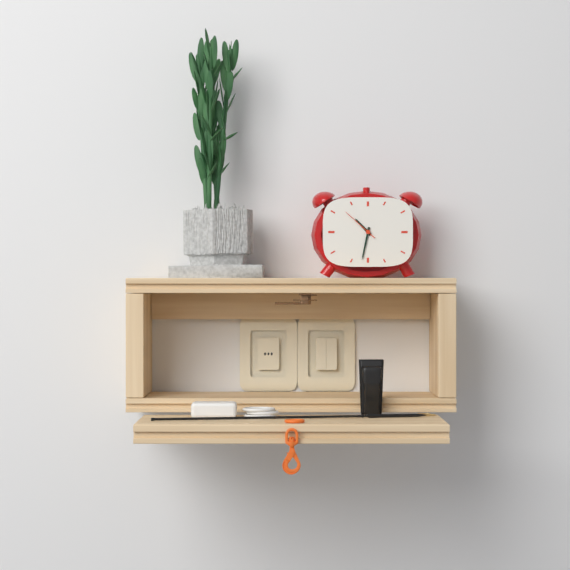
10:32
